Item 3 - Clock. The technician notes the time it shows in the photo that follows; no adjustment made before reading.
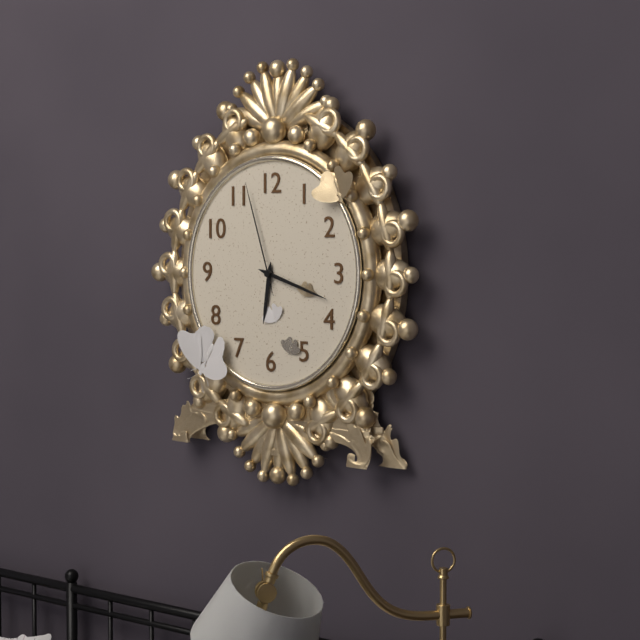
6:18:57
